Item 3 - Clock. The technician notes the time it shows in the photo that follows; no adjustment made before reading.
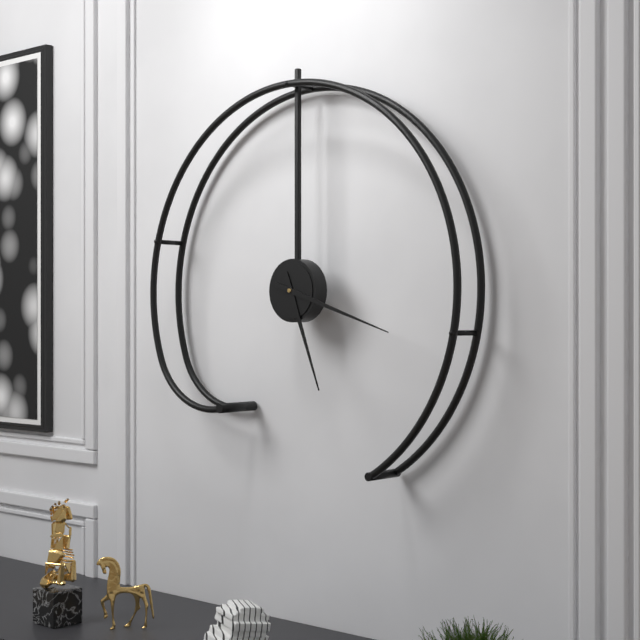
5:18
